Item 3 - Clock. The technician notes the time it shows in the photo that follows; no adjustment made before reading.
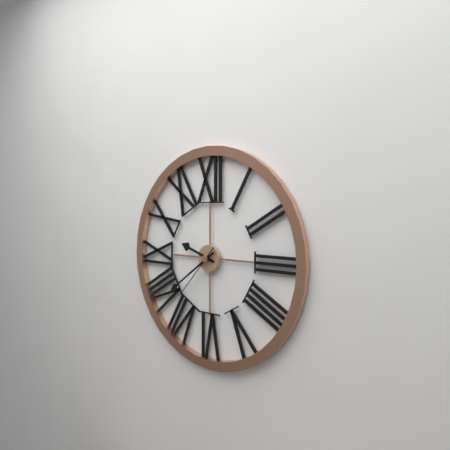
9:39:37
